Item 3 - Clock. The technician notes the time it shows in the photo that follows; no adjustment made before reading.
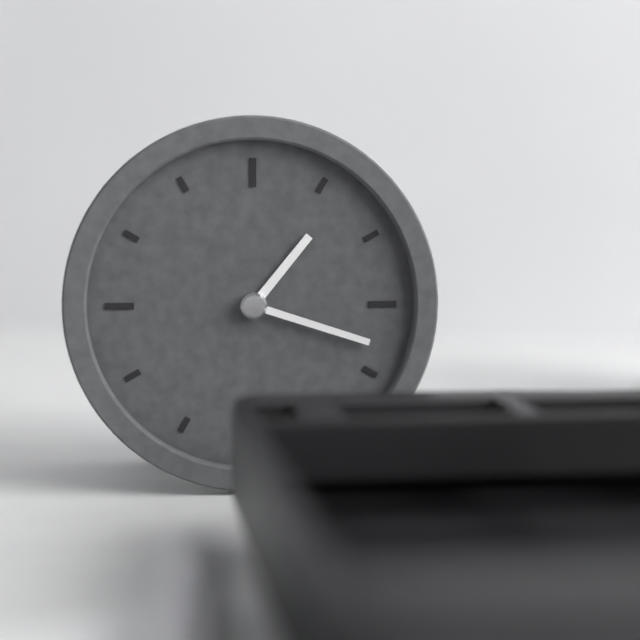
1:18
